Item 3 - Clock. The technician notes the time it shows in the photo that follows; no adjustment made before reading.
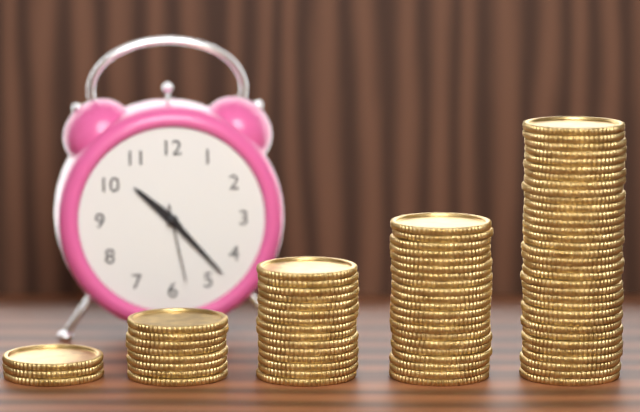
10:23:28
